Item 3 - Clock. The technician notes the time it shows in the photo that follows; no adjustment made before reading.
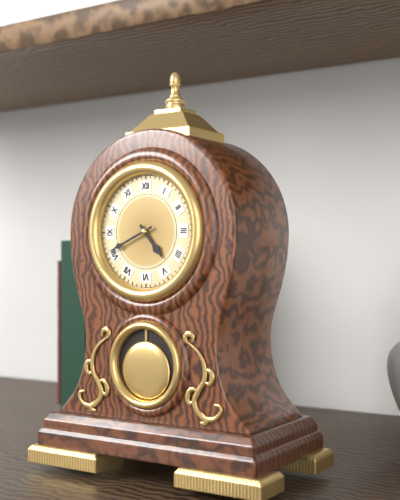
4:41
